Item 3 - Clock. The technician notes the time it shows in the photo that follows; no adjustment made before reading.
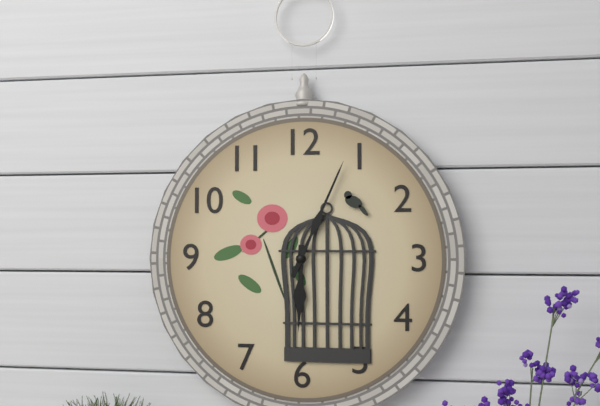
6:04
